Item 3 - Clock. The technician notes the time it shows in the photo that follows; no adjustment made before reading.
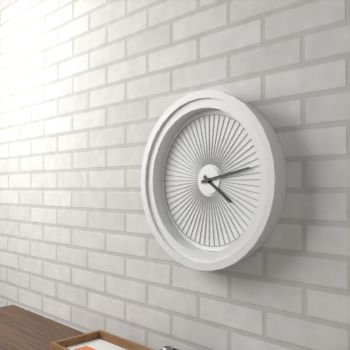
4:13
